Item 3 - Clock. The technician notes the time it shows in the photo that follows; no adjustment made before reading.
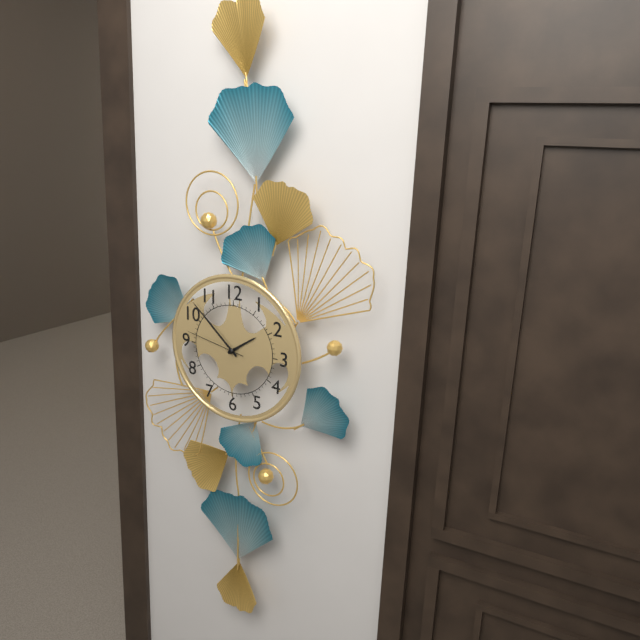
1:52:47
